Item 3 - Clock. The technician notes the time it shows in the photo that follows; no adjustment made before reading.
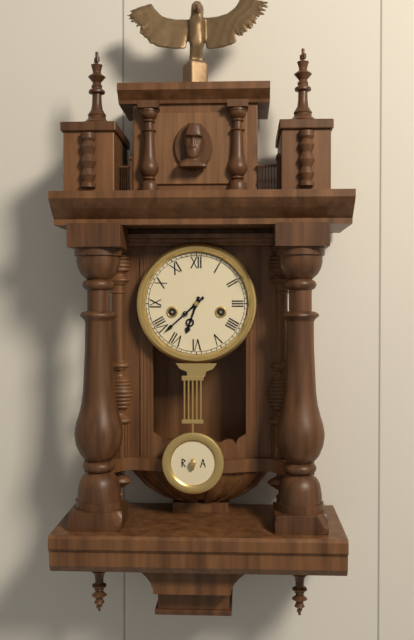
6:38
